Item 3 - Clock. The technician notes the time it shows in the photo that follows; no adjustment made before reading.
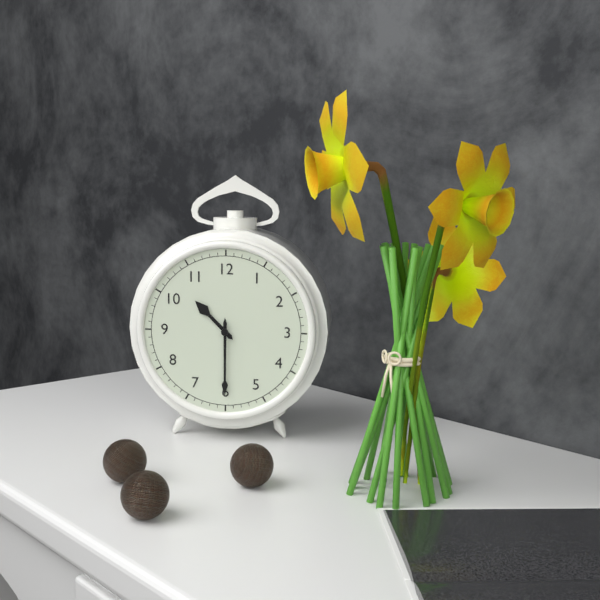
10:30
